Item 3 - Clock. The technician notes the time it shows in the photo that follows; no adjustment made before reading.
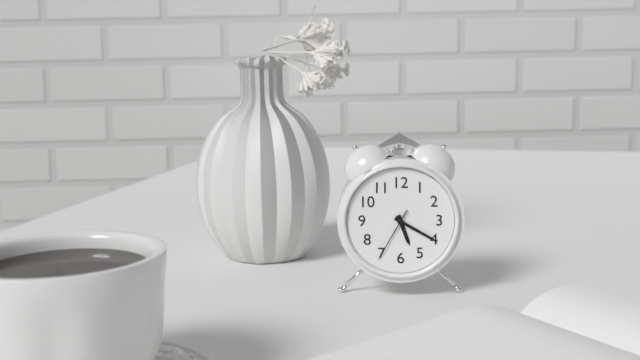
5:20:35
